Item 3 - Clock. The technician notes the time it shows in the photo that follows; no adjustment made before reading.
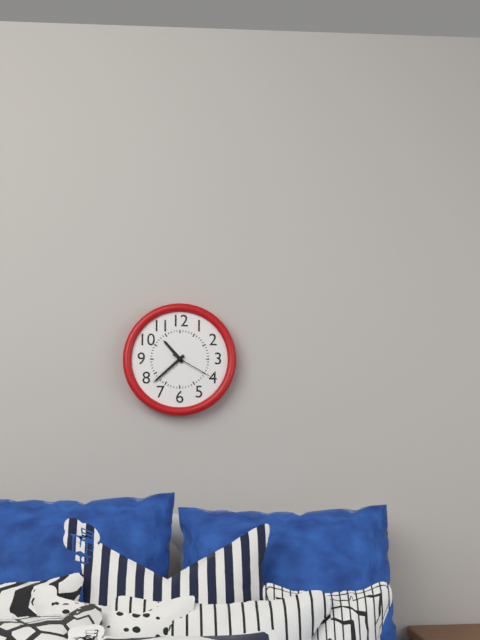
10:38
